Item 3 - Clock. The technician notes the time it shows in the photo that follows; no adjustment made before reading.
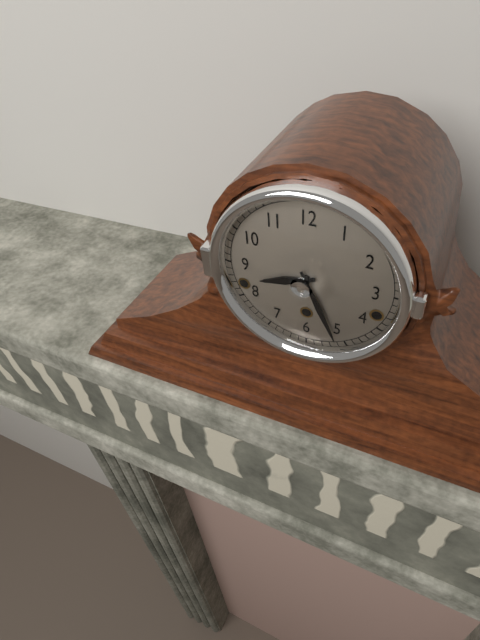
8:26
